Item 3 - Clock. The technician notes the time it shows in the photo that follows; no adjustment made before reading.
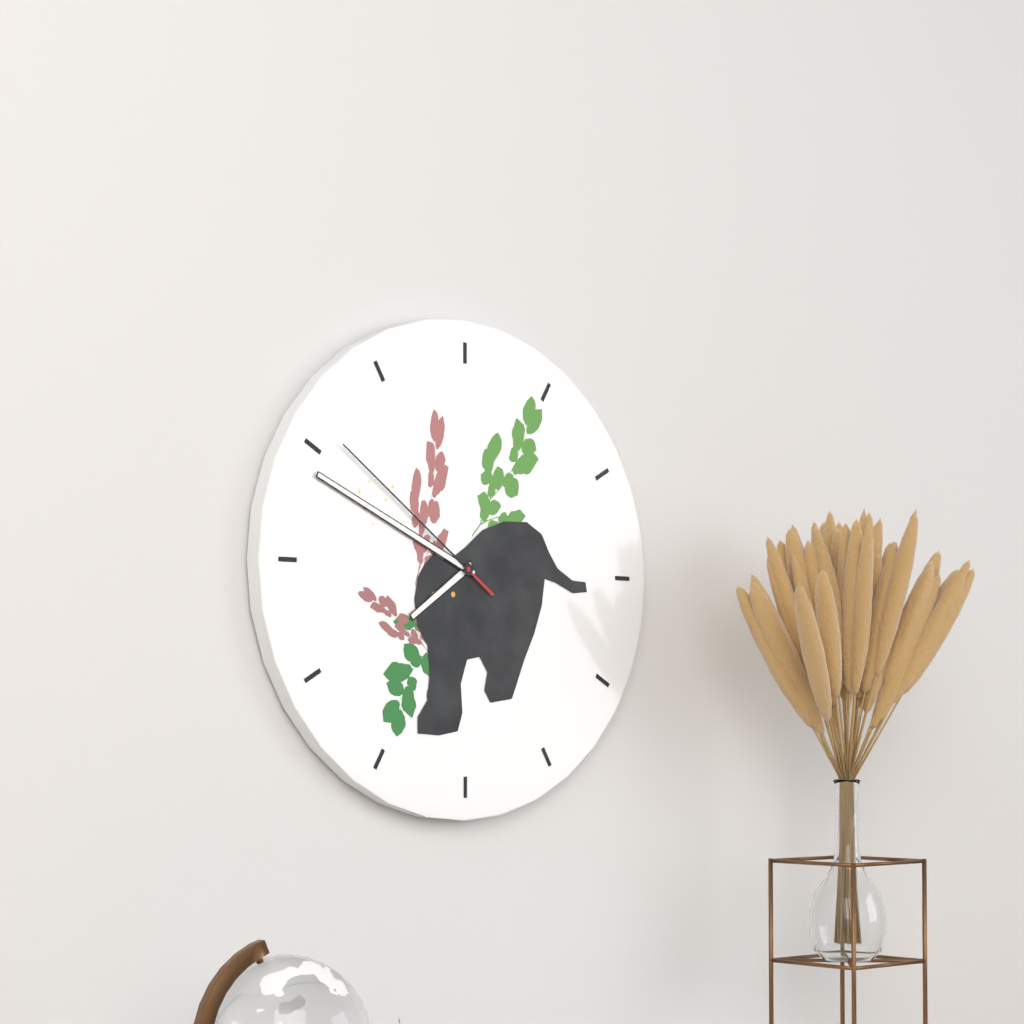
7:49:51
